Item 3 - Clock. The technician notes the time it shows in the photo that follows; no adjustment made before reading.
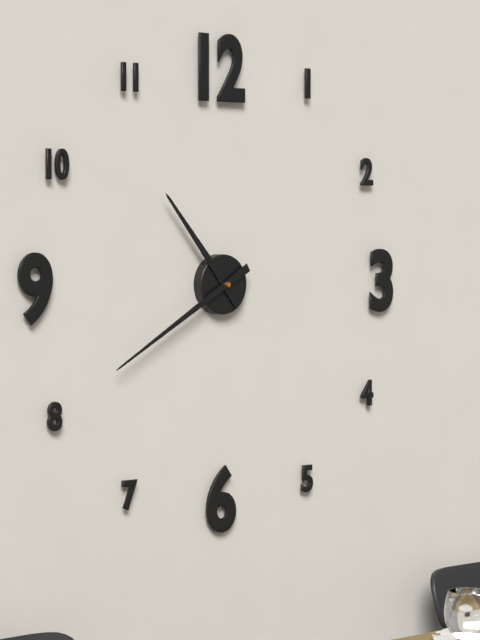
10:40
